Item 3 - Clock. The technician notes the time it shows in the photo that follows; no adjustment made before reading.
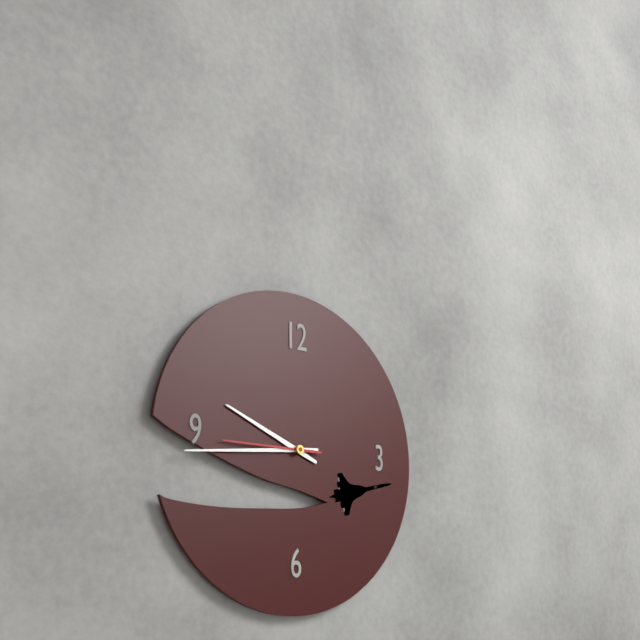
9:44:45
